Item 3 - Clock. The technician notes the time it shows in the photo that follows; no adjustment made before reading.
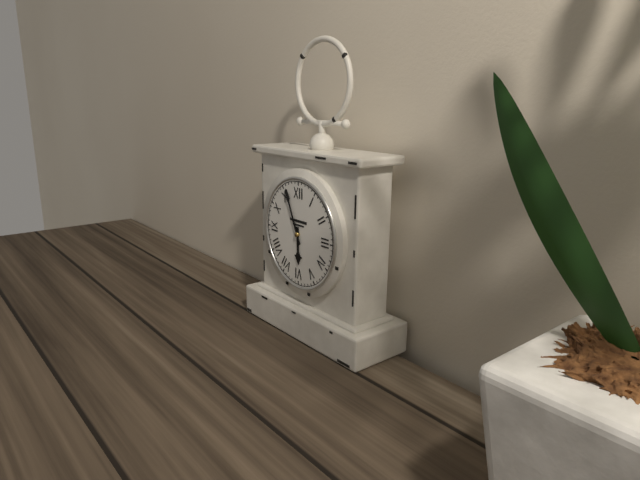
5:56
